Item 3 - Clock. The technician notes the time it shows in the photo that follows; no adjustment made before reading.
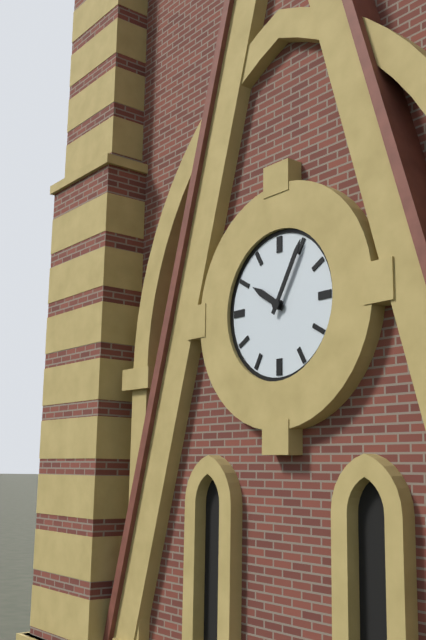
10:05
